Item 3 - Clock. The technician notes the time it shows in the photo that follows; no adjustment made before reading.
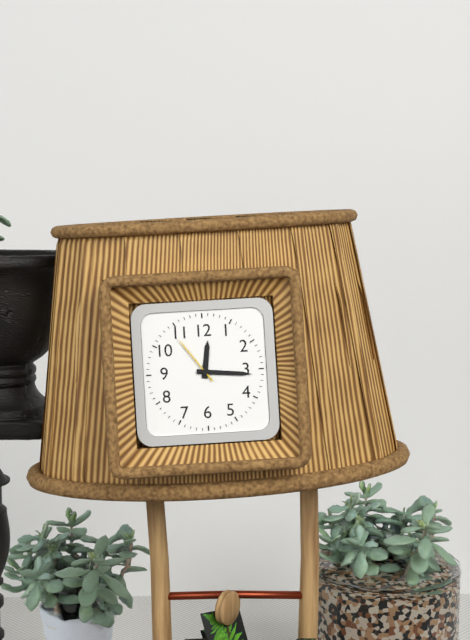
12:16:54
